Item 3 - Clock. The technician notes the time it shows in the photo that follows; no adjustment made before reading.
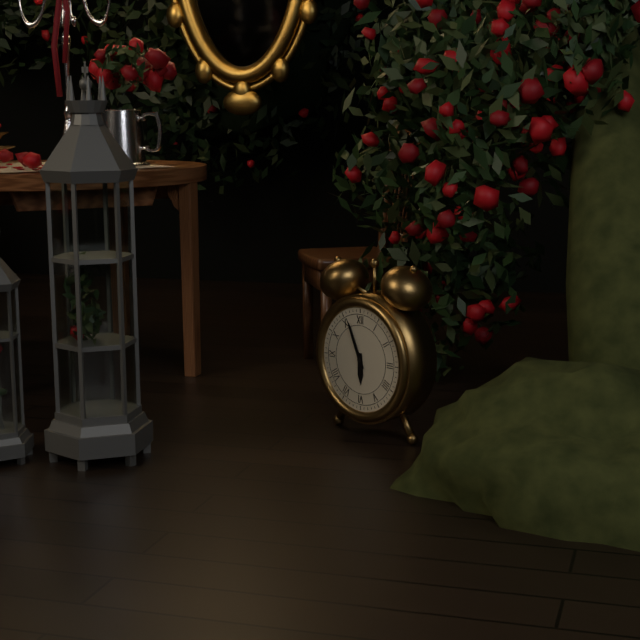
5:56
